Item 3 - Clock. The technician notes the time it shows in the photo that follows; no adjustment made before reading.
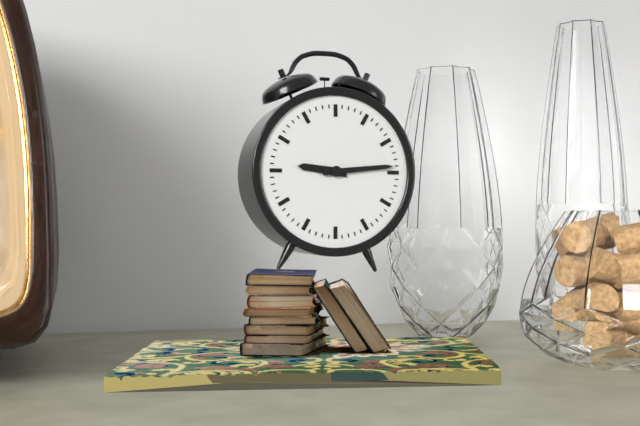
9:14
